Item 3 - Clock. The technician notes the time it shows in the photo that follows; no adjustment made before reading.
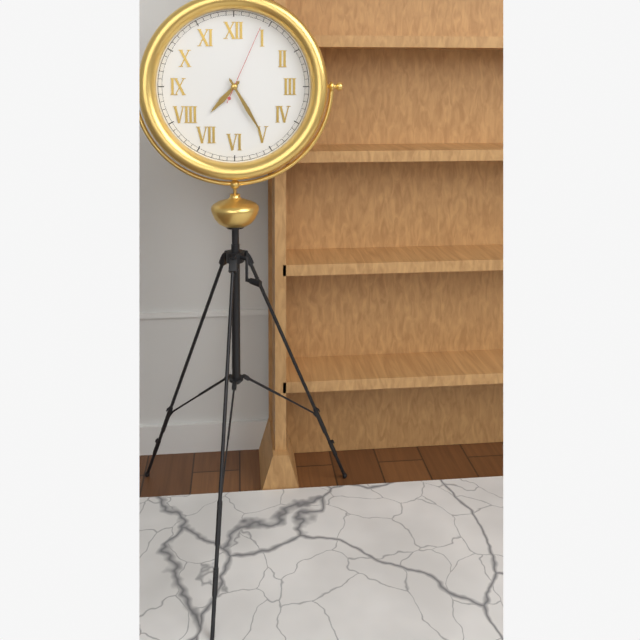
7:25:04
